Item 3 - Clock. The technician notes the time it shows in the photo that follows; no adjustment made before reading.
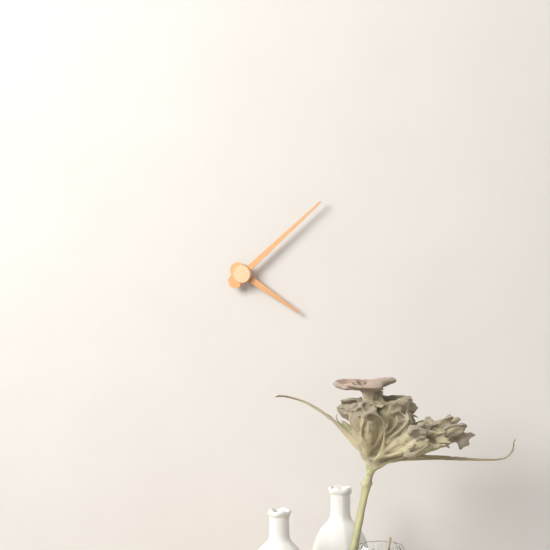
4:08
